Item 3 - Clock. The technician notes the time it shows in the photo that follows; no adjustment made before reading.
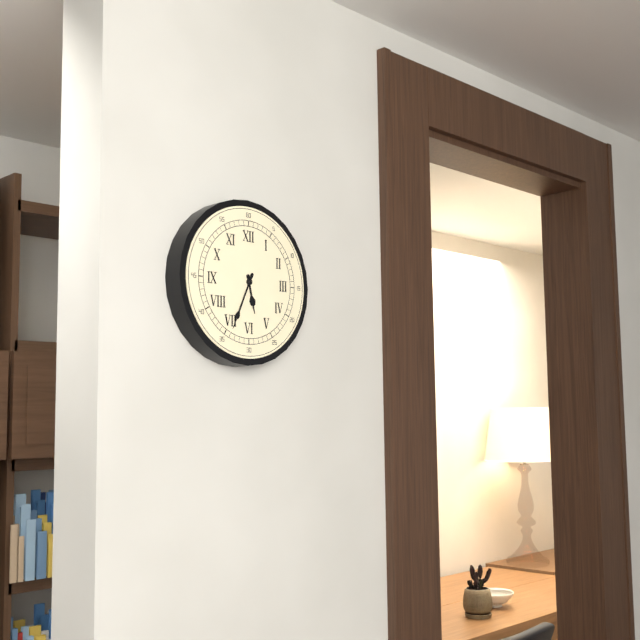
5:34
